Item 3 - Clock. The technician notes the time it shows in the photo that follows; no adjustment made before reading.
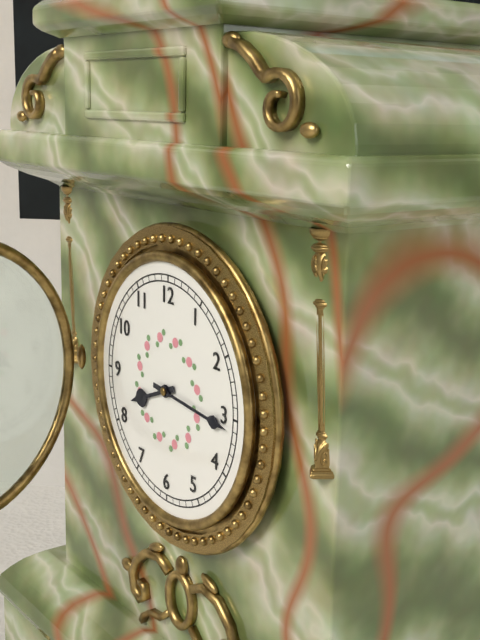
8:16
